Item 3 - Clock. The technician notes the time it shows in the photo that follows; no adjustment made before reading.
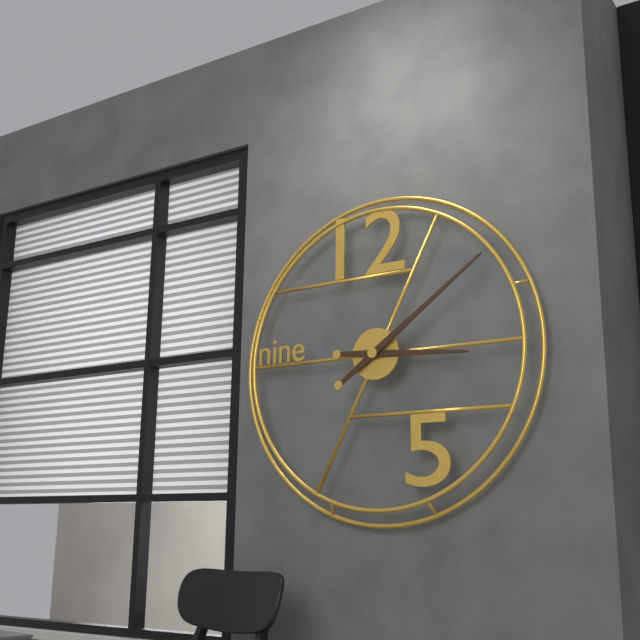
3:09
